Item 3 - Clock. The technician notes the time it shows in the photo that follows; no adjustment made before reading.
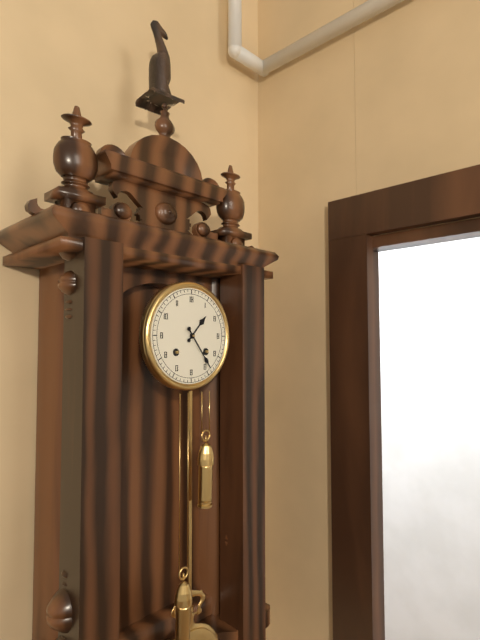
1:24
